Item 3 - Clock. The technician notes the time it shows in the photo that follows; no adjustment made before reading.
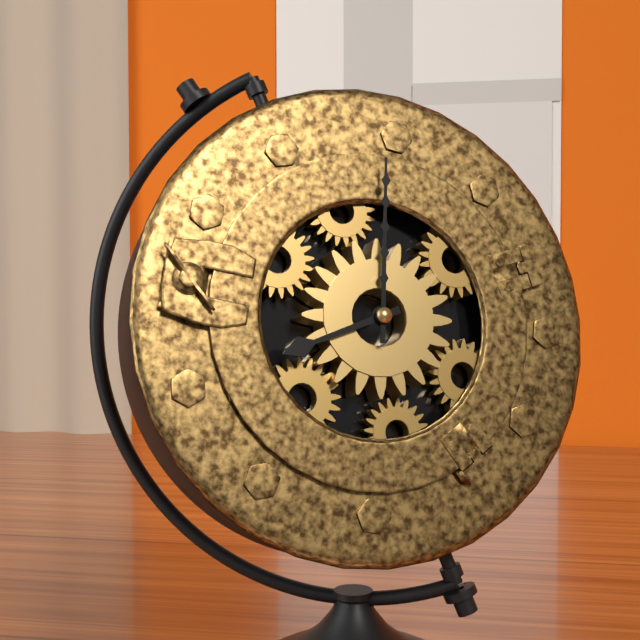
7:59
